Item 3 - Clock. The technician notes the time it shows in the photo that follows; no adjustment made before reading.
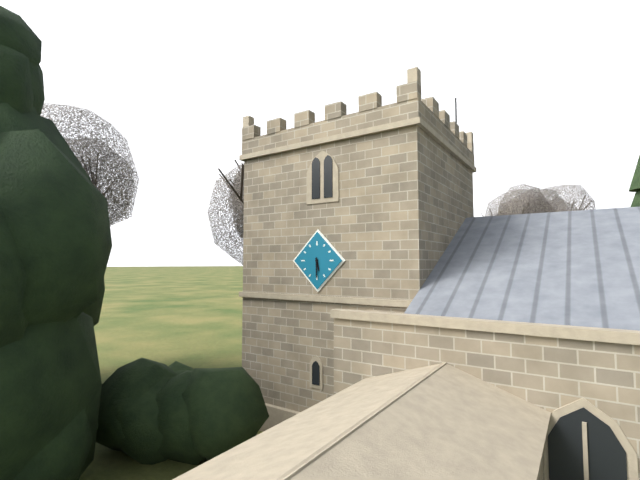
5:30
